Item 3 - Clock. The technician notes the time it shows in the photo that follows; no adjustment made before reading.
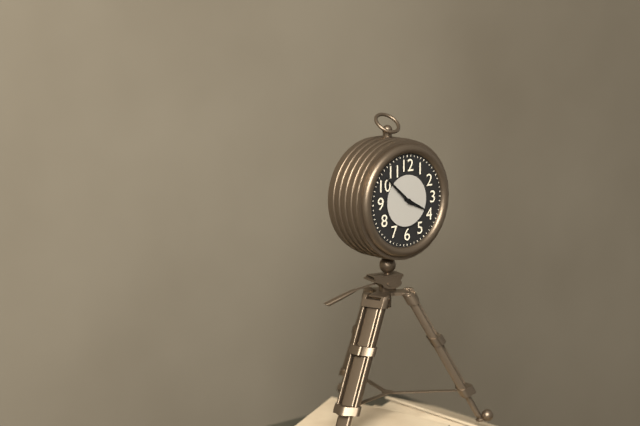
3:52
